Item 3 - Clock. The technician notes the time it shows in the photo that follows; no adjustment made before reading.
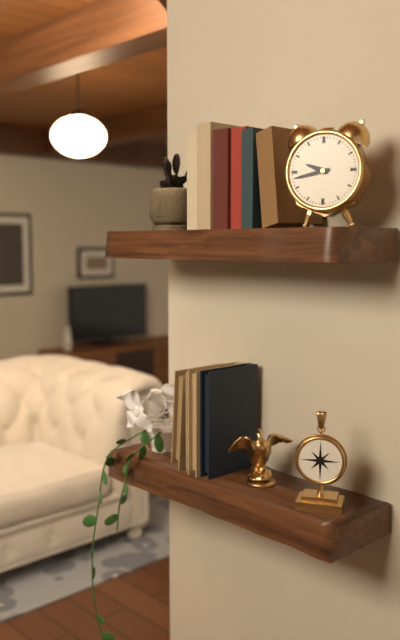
9:43
